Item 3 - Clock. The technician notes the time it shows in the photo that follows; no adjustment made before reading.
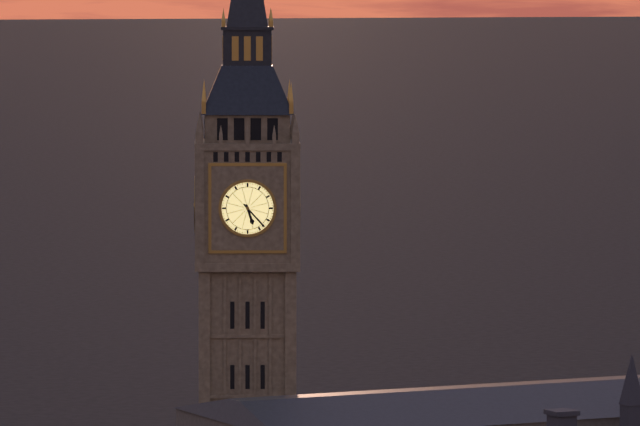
5:23
